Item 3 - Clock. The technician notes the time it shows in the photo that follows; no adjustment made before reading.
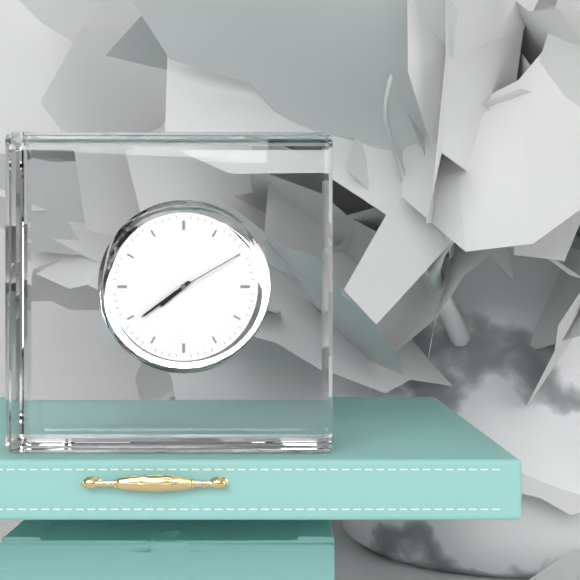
7:39:10
